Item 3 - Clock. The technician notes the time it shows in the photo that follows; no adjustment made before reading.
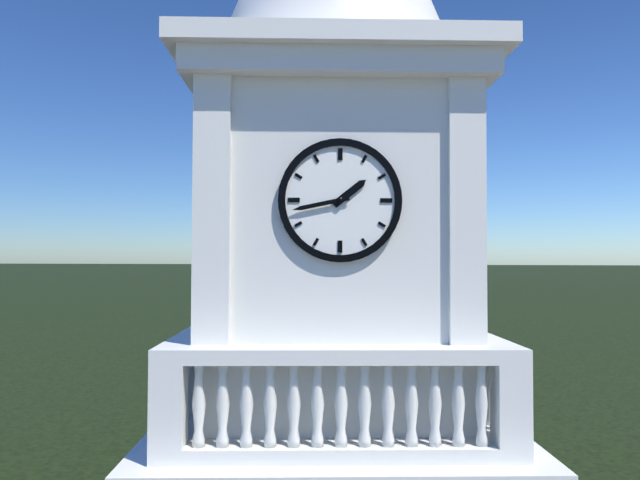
1:43
